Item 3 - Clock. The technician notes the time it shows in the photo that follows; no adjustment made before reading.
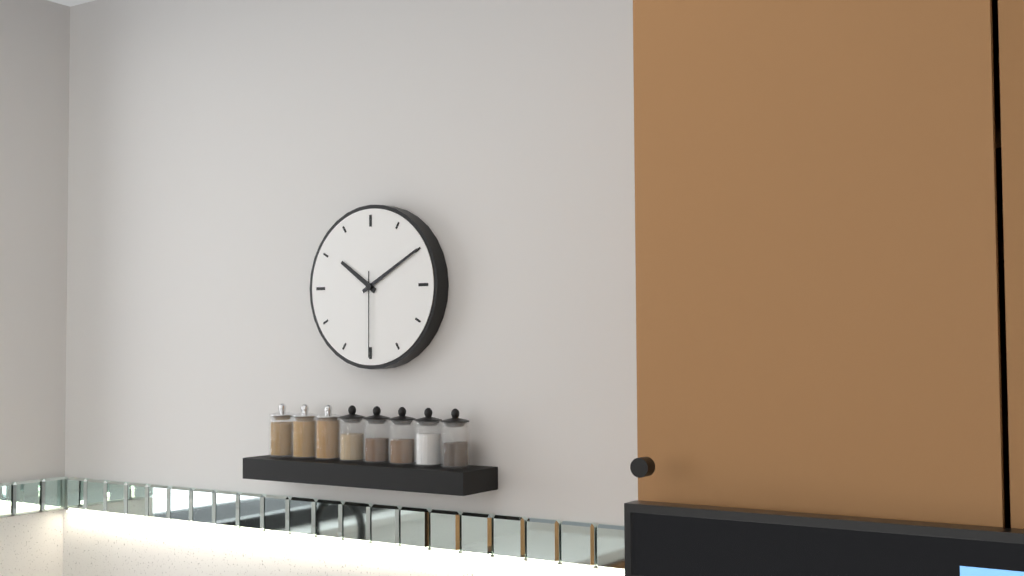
10:10:30
